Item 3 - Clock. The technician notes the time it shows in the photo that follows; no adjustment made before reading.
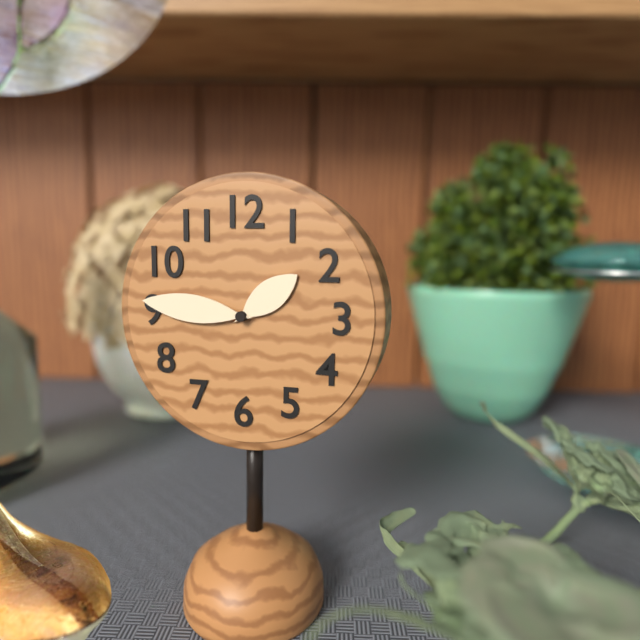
1:46
